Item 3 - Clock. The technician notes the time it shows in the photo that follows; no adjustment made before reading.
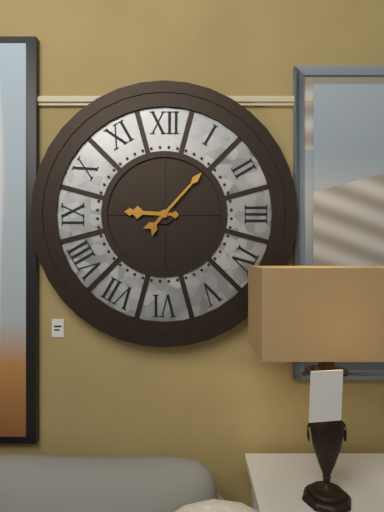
9:07
